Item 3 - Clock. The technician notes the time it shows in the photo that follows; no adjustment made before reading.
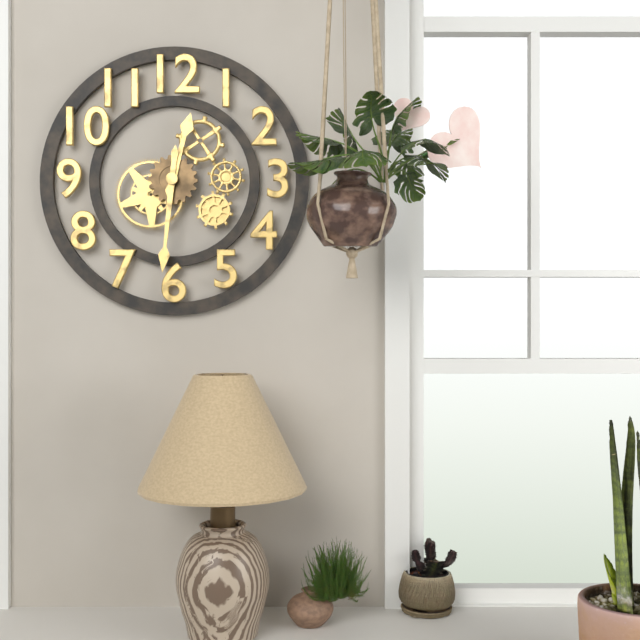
12:31
